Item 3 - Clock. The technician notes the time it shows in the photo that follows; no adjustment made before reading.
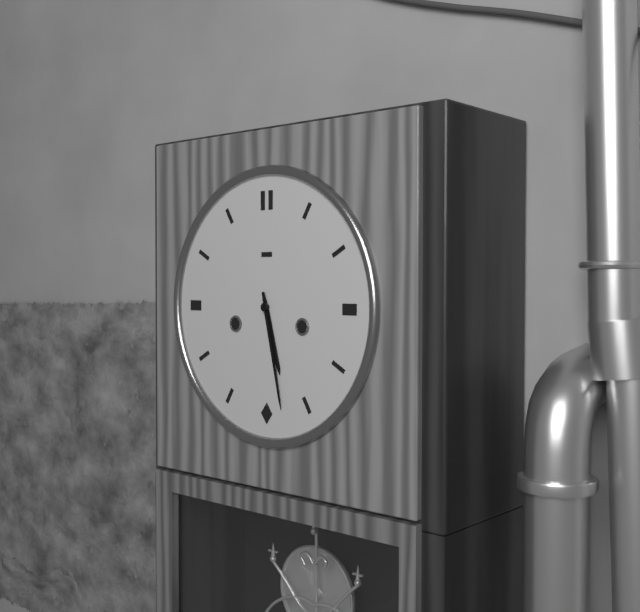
5:28
